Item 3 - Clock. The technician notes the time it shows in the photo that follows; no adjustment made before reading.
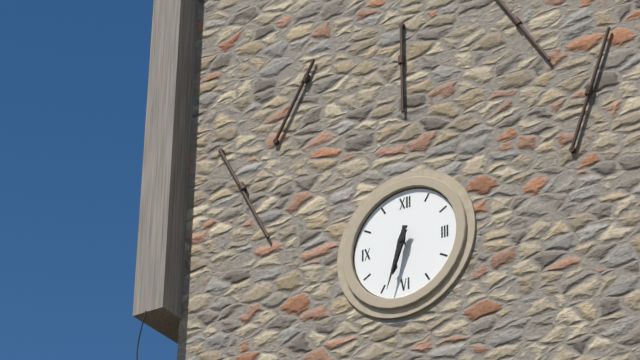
6:33
